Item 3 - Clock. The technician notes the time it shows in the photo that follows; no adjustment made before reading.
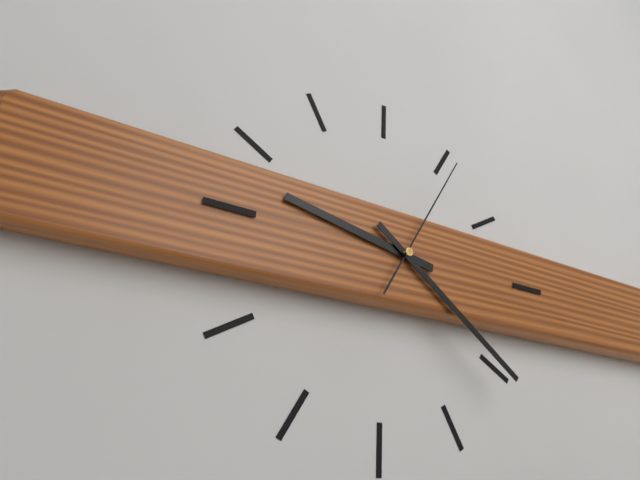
9:21:05
